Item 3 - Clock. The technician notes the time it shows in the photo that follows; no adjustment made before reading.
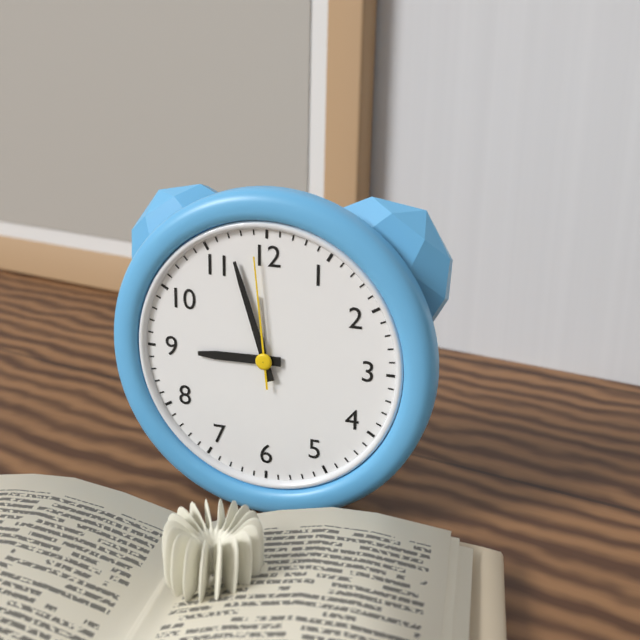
8:57:59
